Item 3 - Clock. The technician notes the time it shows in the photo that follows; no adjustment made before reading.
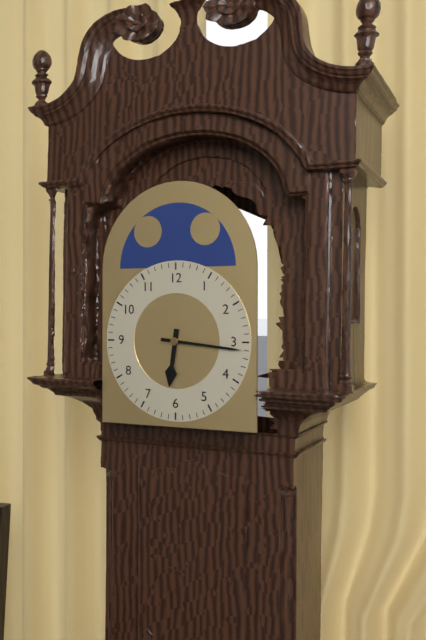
6:16
